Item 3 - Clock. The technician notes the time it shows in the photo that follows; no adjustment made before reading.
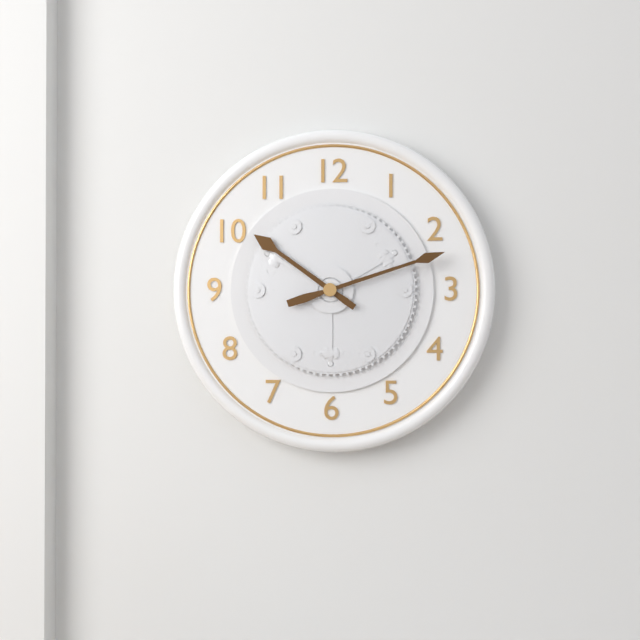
10:12
